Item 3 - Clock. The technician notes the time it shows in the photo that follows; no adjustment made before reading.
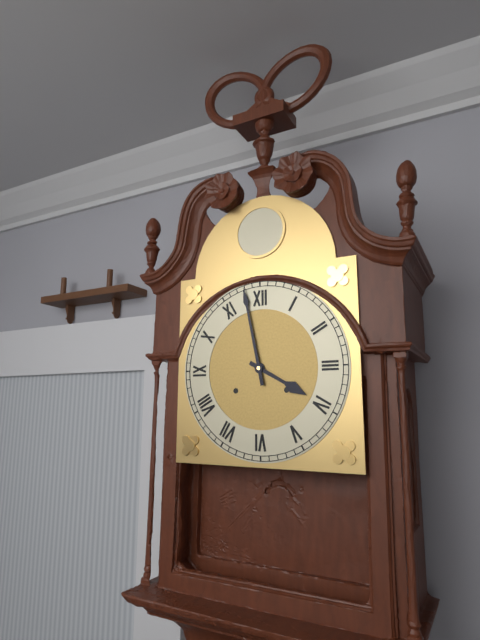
3:58
